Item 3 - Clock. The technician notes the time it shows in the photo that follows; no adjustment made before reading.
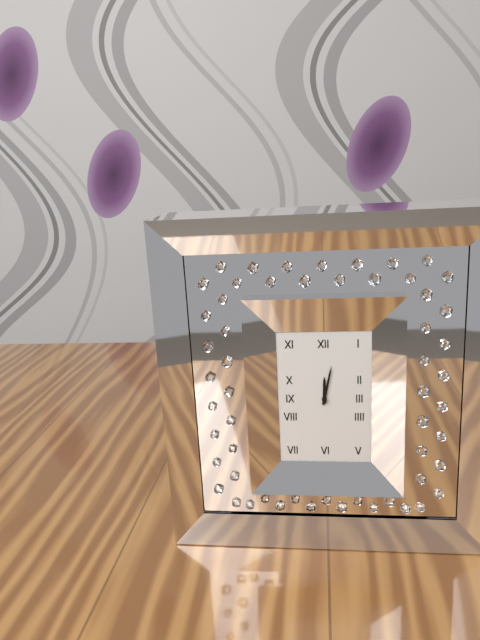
12:02
